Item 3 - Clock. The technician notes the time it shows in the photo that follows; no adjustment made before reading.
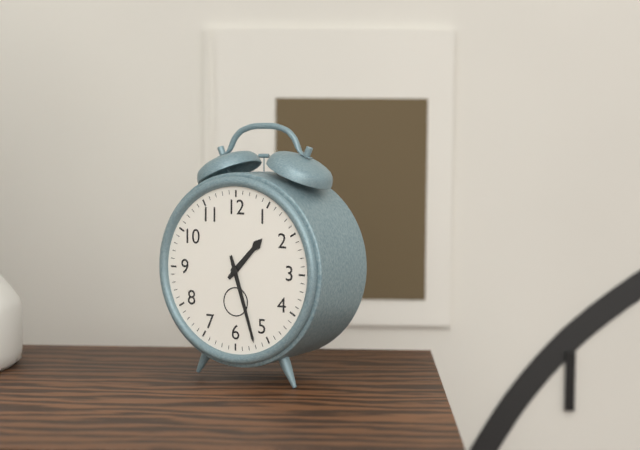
1:27
